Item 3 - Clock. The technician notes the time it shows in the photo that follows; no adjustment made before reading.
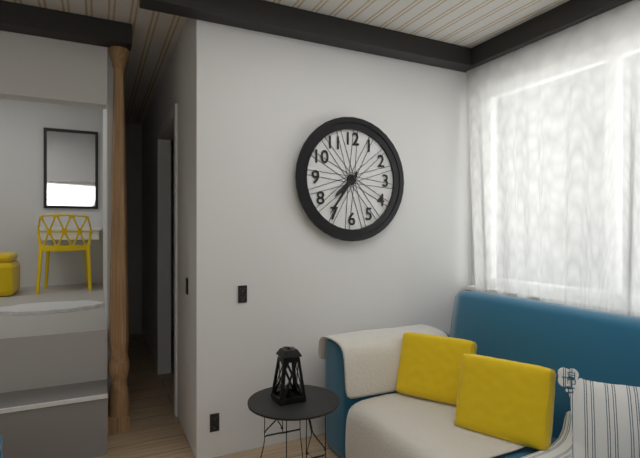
7:36
